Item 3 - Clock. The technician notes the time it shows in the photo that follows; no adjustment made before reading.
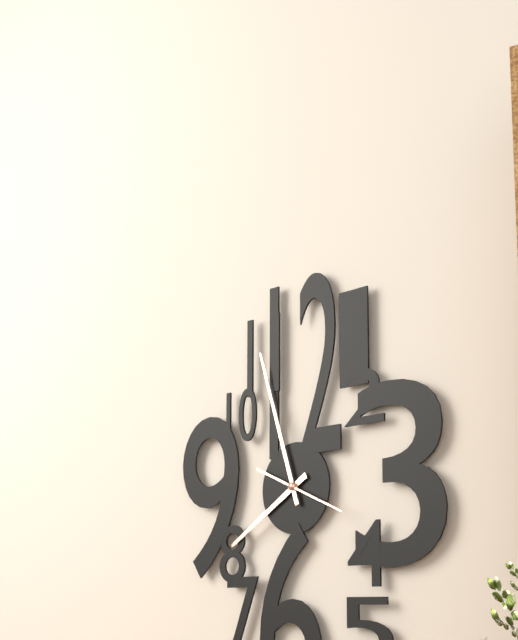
7:57:19
